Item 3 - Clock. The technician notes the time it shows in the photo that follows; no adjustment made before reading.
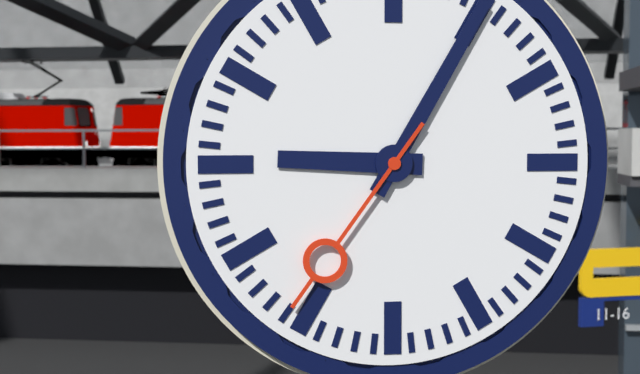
9:05:36
